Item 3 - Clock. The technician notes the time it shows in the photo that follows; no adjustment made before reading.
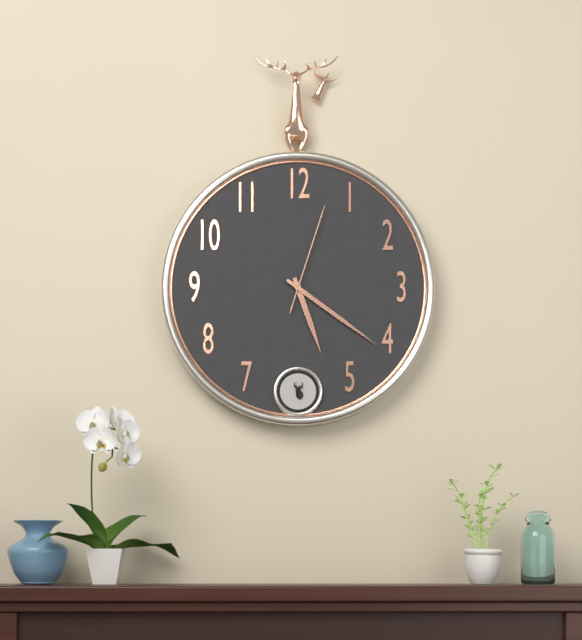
5:21:03
